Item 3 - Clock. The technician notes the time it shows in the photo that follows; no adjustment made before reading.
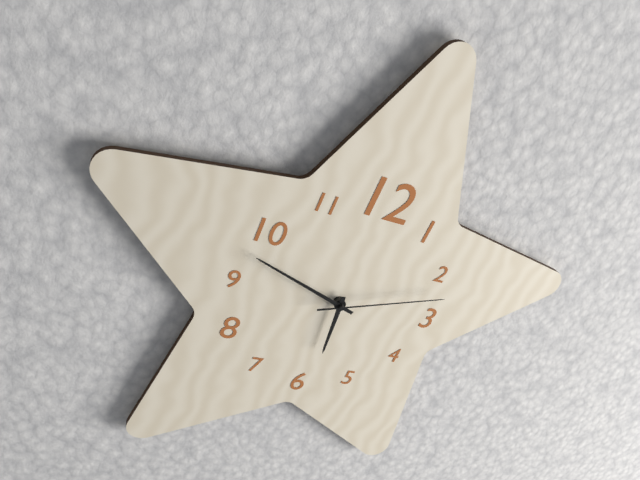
5:48:12
